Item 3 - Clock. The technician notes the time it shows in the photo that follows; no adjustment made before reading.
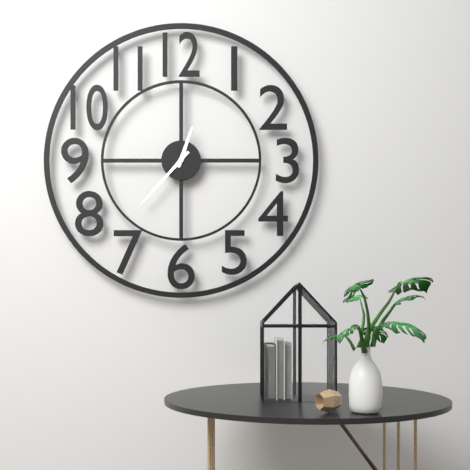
12:37
